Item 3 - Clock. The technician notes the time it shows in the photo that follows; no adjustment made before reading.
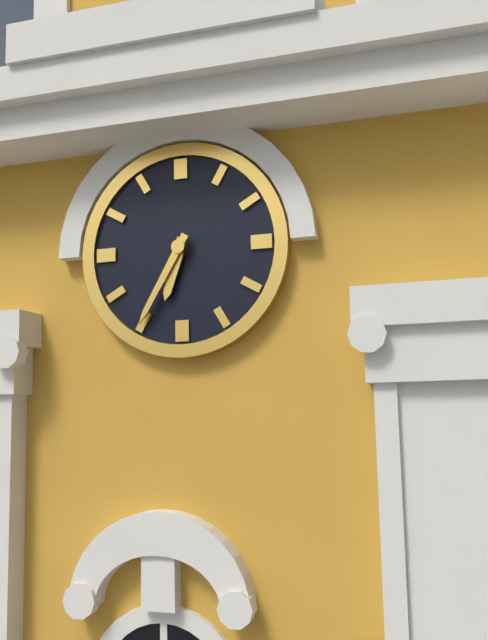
6:35
